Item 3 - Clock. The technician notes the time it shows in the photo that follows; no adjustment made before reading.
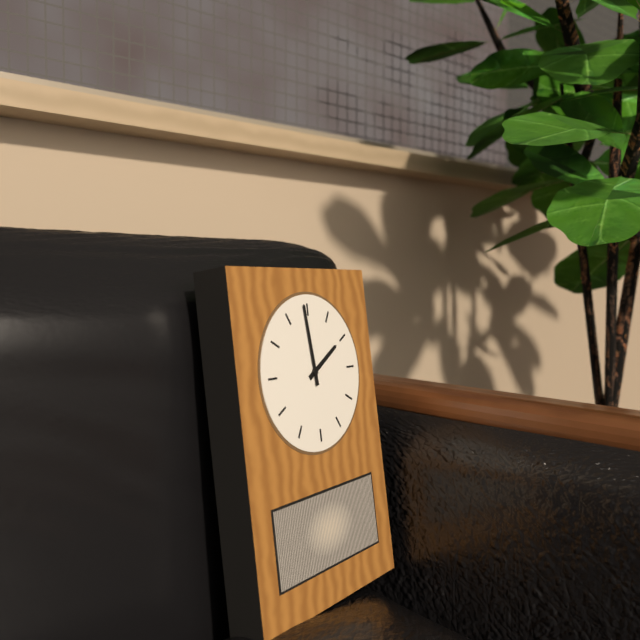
1:59
